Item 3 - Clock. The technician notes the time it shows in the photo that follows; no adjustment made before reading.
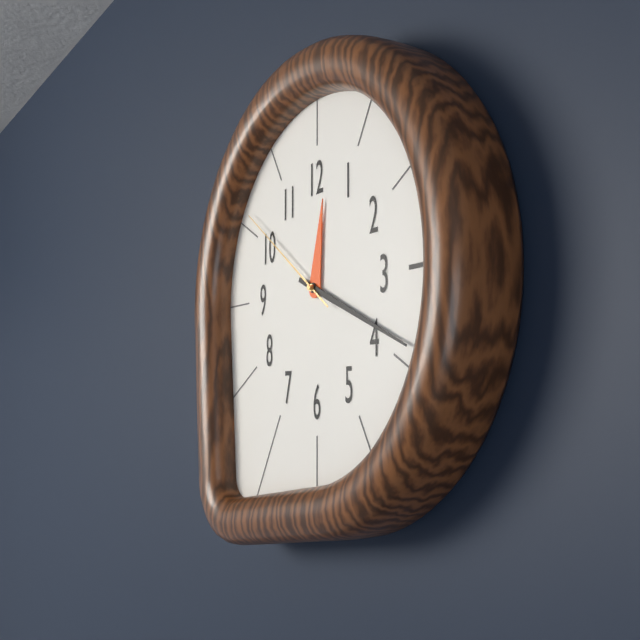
12:19:51
